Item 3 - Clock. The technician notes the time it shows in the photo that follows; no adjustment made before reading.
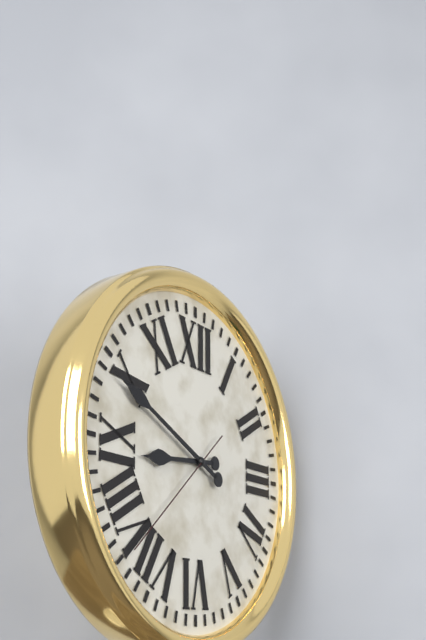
8:49:38
